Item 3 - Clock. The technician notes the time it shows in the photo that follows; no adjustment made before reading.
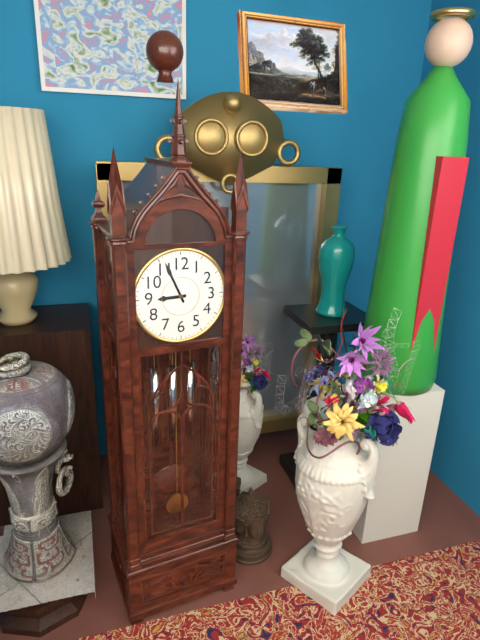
8:56
